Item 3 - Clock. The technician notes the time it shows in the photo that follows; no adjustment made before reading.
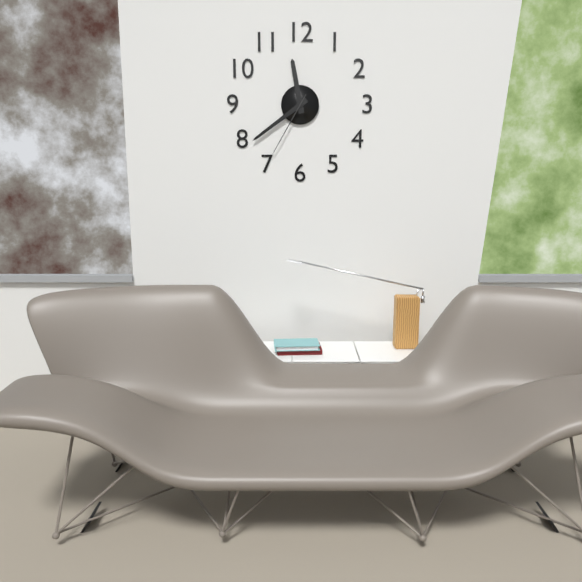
11:39:35
